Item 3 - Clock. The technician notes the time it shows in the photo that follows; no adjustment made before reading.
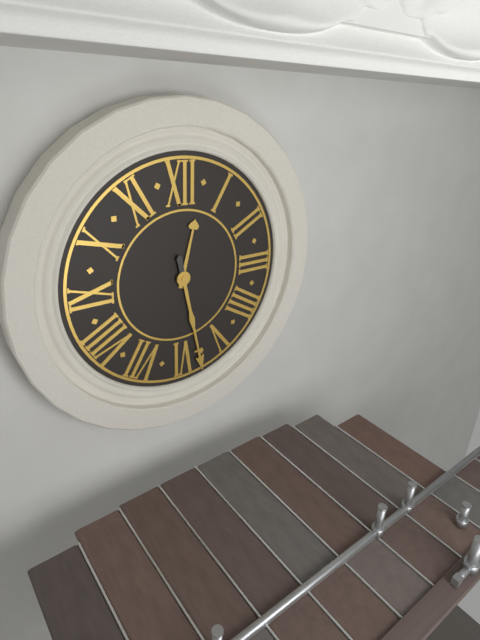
12:28
